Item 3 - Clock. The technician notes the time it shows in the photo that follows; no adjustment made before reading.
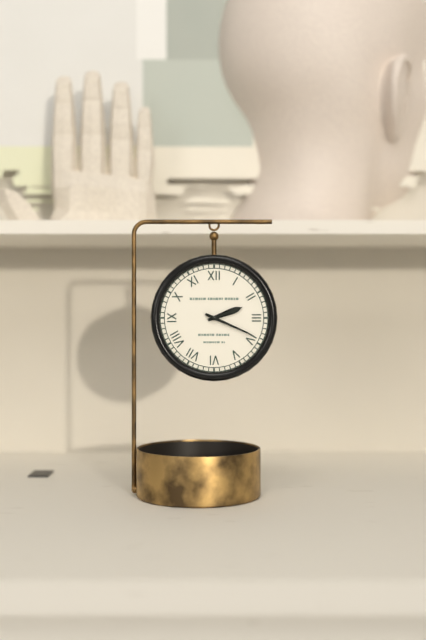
2:19
